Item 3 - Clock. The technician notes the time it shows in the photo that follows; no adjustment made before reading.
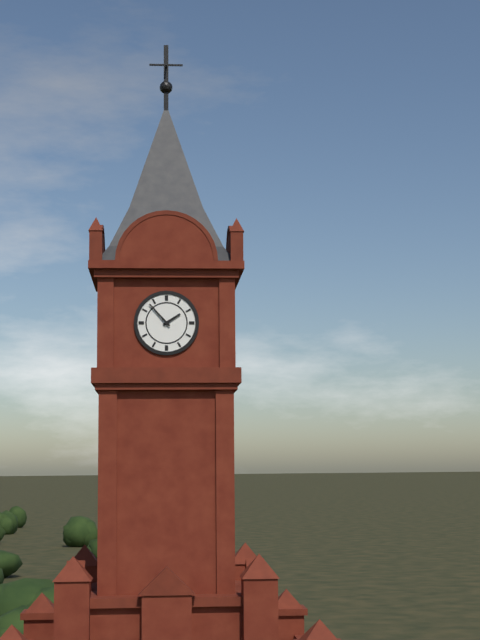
1:53
